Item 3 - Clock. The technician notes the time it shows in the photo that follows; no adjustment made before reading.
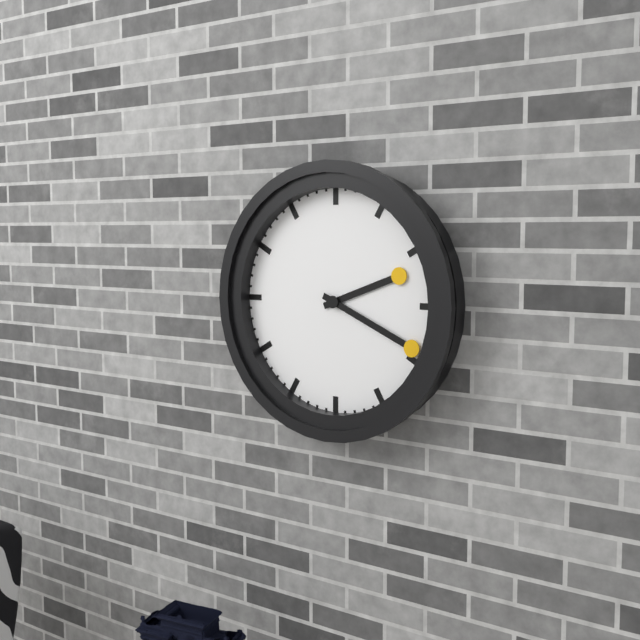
2:19
